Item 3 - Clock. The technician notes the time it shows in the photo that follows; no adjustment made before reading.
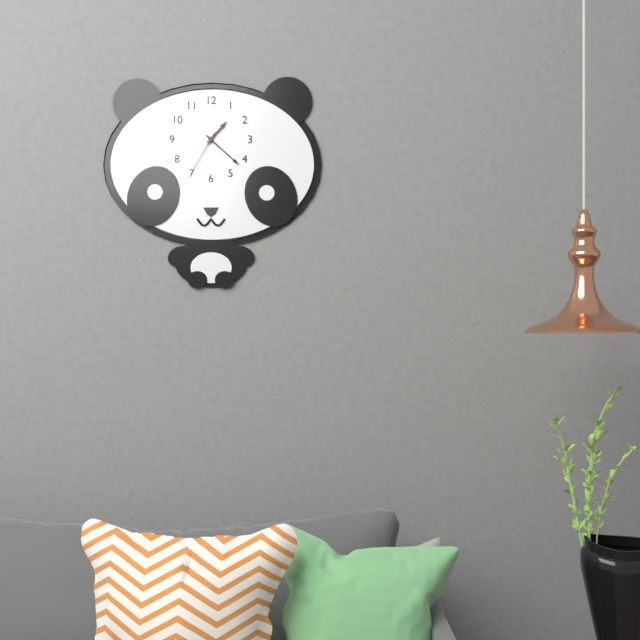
1:22
